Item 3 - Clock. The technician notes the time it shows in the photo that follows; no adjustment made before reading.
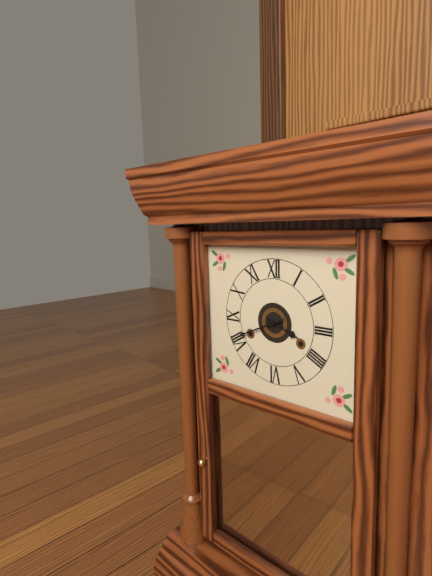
3:41
